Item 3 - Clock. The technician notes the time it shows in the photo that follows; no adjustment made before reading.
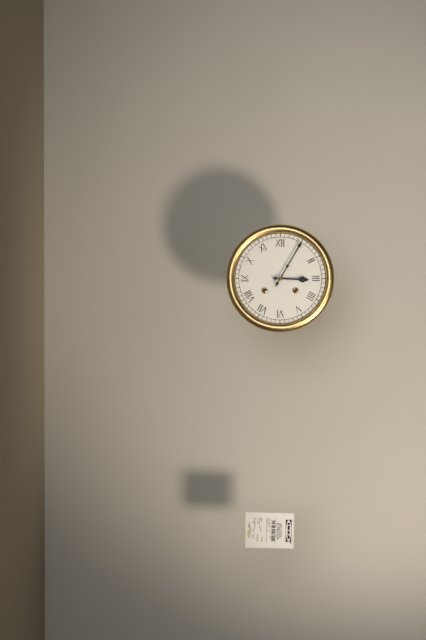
3:05
